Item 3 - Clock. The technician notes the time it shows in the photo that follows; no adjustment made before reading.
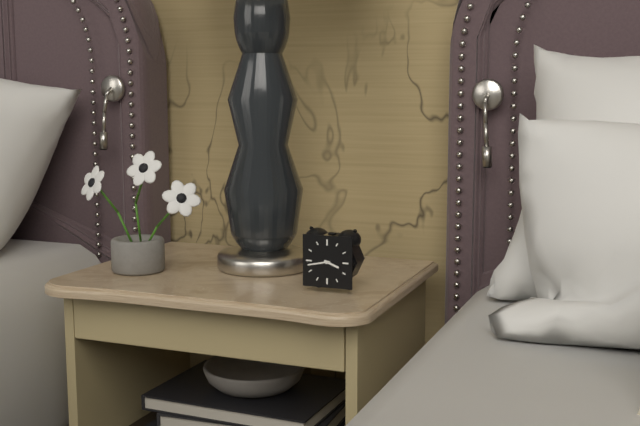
3:43
